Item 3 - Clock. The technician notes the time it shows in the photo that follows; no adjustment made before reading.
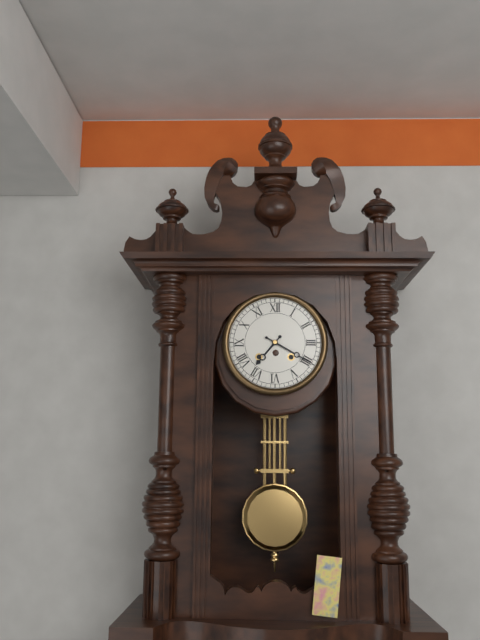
7:20
